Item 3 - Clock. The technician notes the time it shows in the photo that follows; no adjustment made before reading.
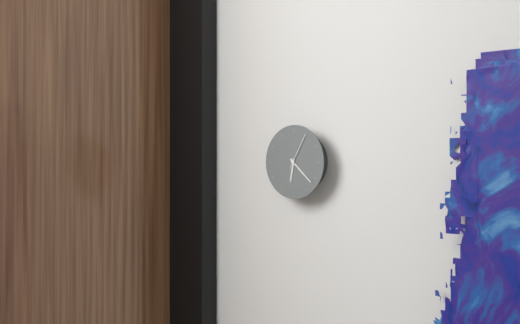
6:22
